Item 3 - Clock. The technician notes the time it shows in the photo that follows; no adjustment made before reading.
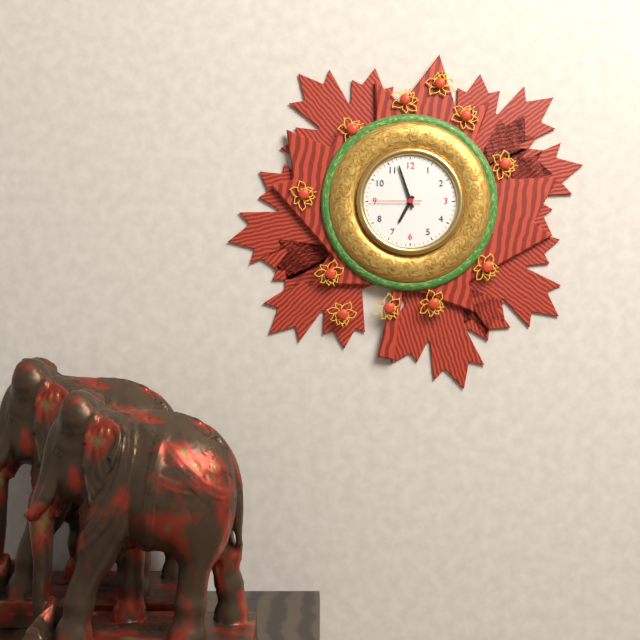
6:57:45
